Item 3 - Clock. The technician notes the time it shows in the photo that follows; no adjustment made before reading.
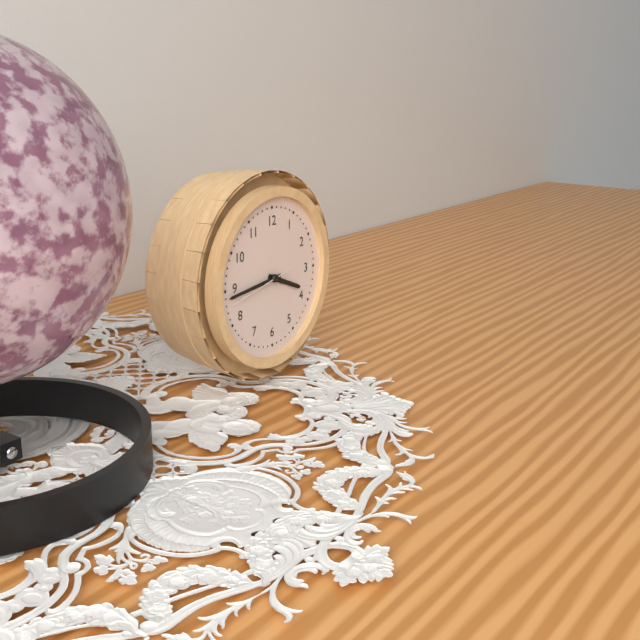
3:44:43
